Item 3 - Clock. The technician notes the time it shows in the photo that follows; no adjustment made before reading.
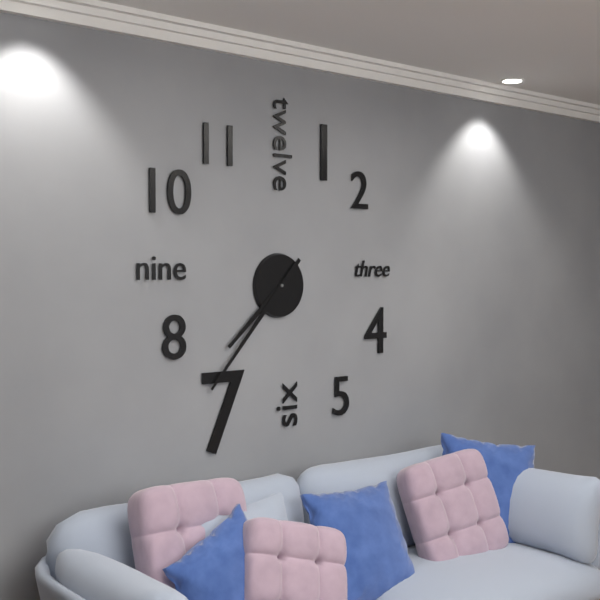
7:37
